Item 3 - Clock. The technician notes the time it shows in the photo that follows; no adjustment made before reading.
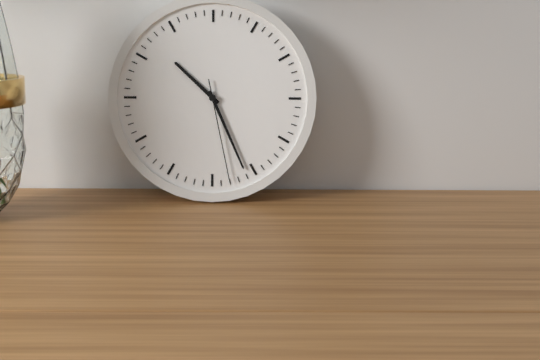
10:26:28
